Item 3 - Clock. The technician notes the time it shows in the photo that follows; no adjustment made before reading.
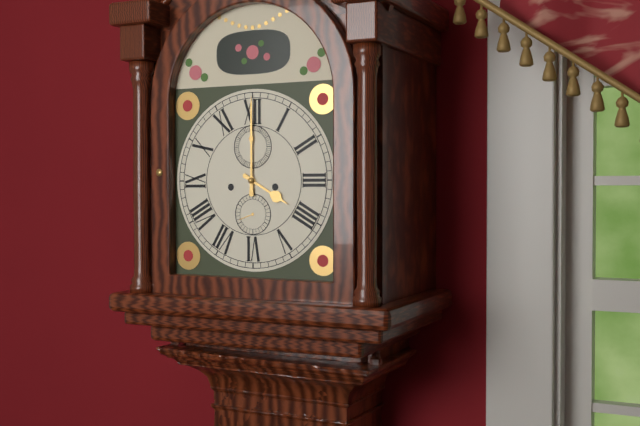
4:00
